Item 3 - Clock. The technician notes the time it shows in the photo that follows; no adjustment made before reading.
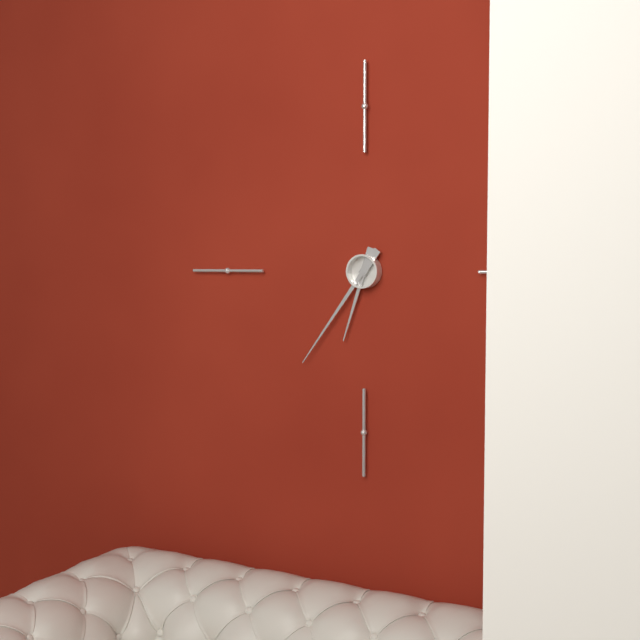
6:36
